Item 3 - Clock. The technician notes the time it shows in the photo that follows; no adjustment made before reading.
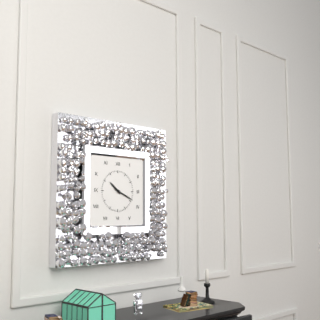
10:19
